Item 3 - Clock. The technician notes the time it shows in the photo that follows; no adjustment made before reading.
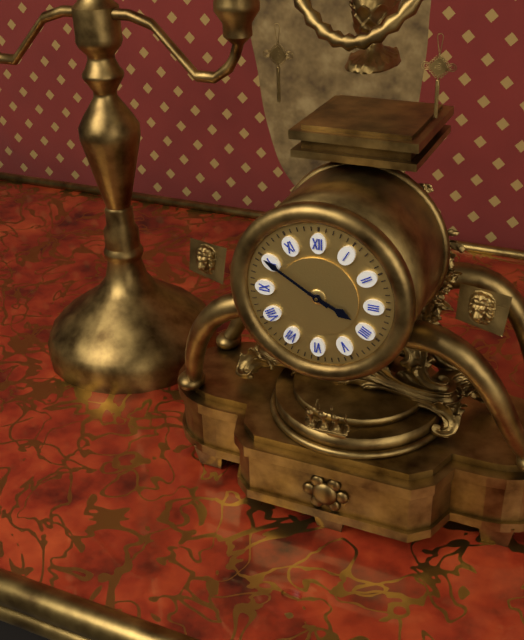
3:50
